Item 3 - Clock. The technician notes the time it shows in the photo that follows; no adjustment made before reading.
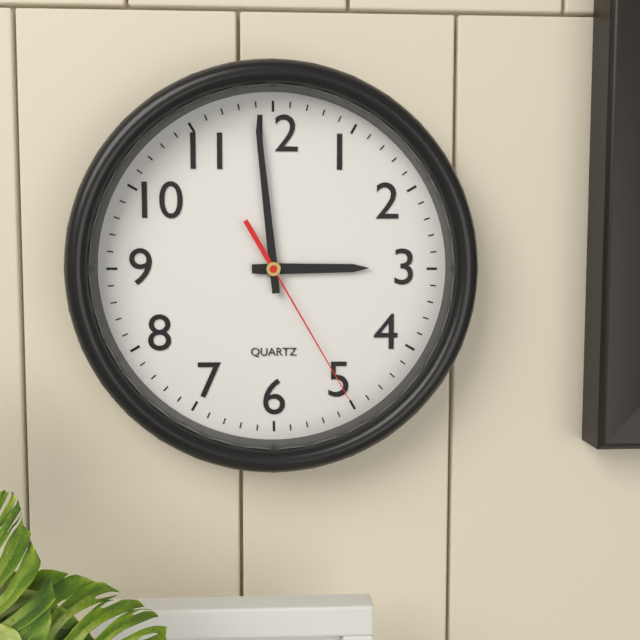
2:59:25
